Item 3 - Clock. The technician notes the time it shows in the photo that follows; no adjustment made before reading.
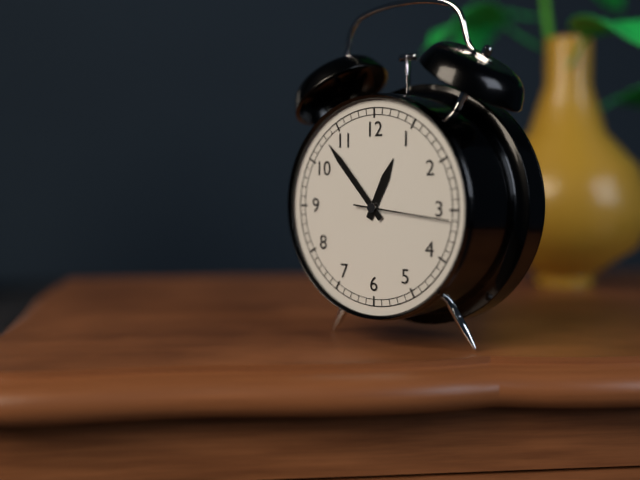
12:53:16
